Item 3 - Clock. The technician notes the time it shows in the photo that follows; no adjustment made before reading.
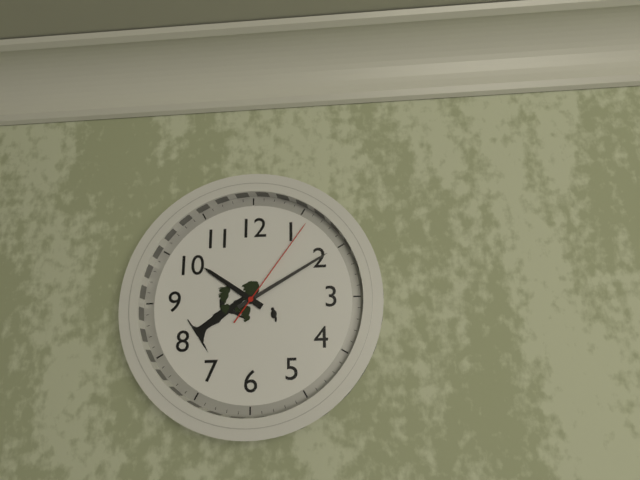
10:10:06
